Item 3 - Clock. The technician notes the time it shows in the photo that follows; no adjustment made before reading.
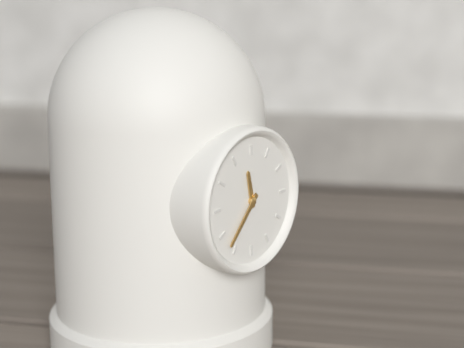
11:37
